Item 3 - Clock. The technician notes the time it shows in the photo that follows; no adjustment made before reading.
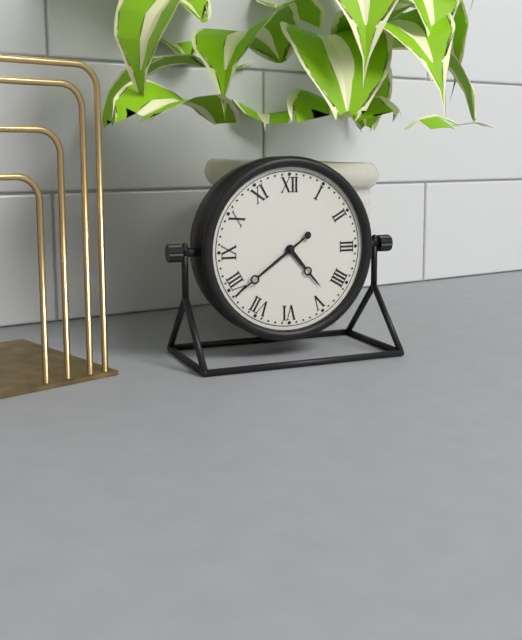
4:39
